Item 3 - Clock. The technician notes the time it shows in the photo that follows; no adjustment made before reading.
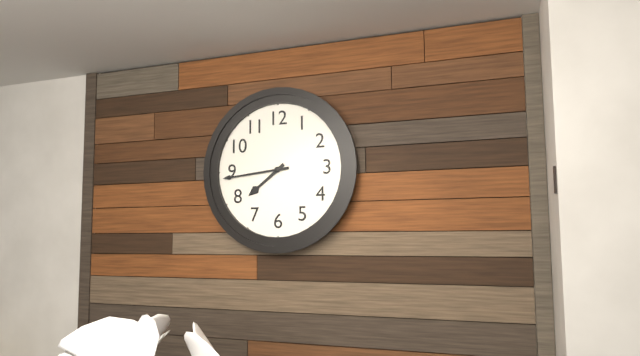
7:44
